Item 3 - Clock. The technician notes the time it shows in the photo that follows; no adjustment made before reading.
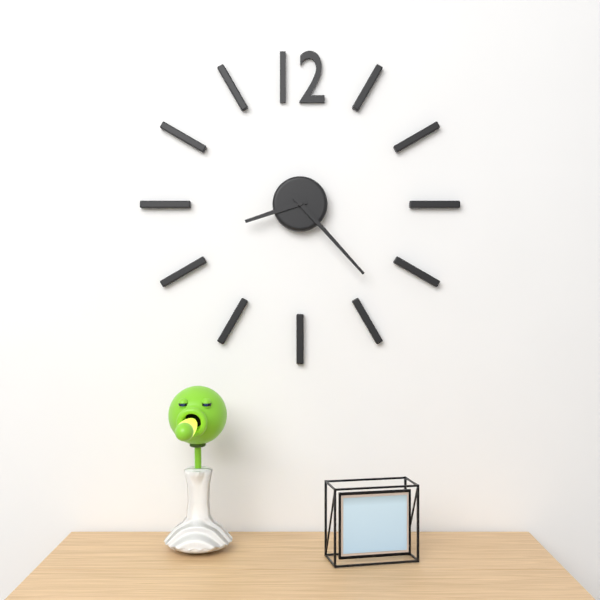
8:23
